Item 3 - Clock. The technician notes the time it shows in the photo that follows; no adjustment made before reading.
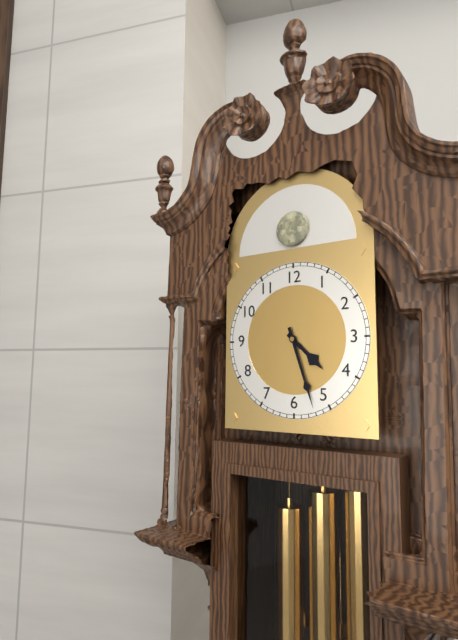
4:27
